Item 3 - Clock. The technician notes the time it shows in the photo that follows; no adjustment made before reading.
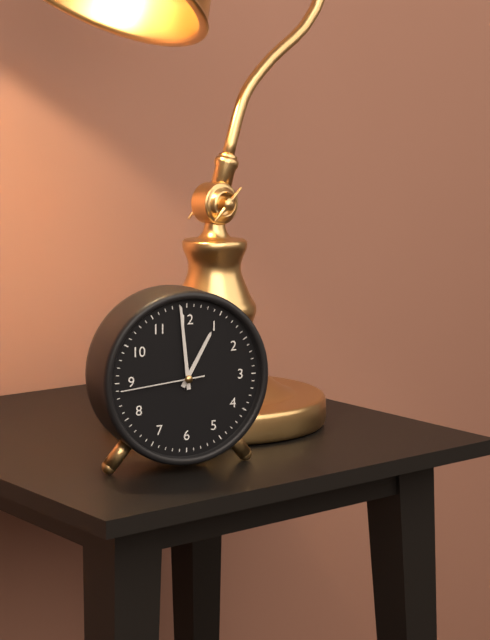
12:59:44
